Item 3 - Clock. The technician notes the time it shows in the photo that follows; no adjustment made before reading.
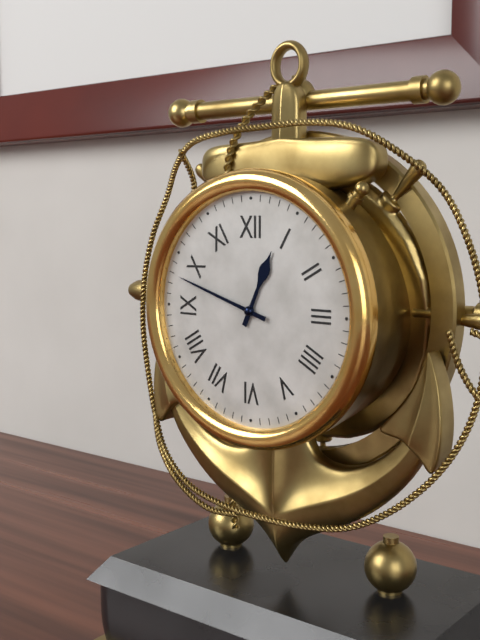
12:48
